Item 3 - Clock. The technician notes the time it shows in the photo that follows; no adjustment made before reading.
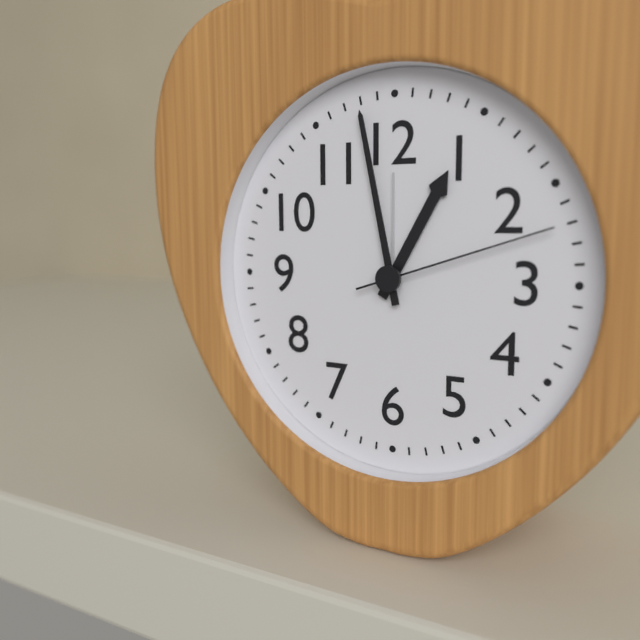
12:58:12
